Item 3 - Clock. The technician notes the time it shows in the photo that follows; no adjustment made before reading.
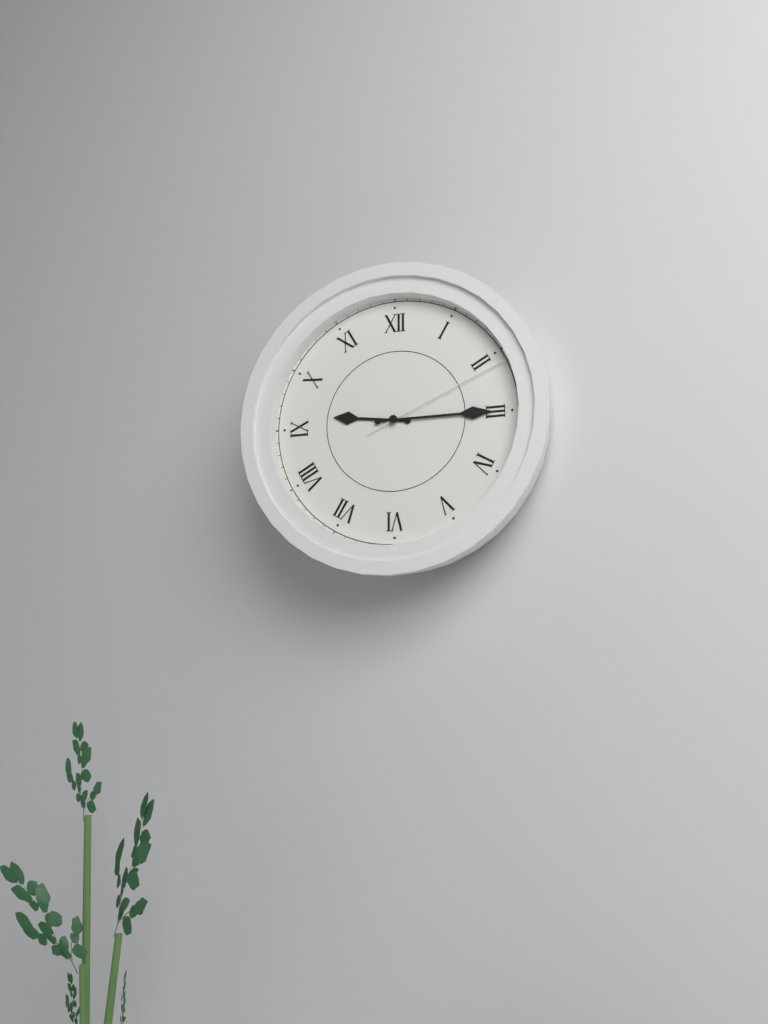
9:15:11
